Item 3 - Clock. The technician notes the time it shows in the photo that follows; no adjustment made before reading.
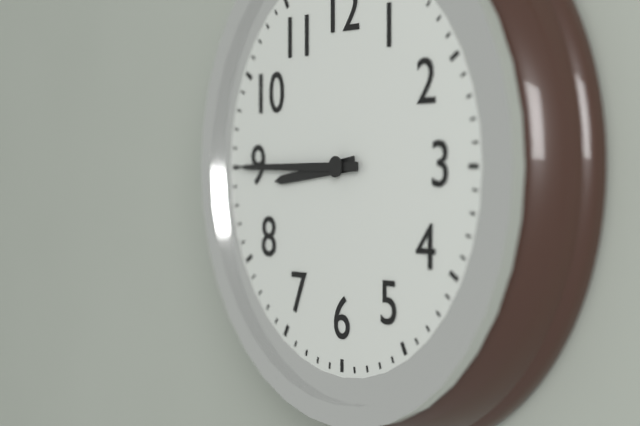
8:45
